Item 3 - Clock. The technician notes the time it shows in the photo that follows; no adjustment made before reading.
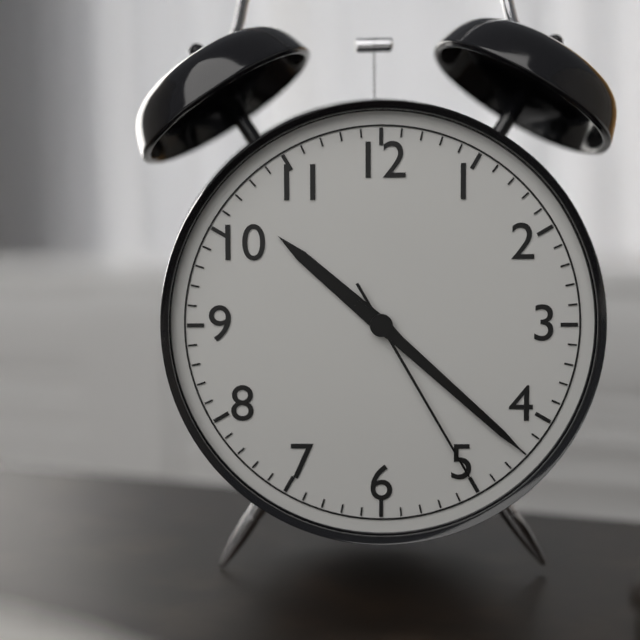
10:22:25
